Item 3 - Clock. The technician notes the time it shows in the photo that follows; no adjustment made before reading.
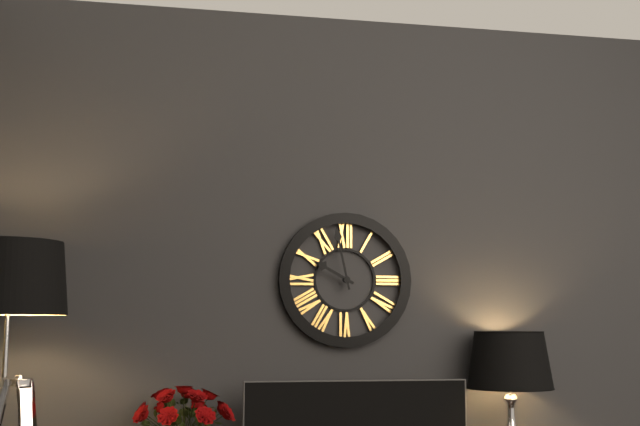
9:58
